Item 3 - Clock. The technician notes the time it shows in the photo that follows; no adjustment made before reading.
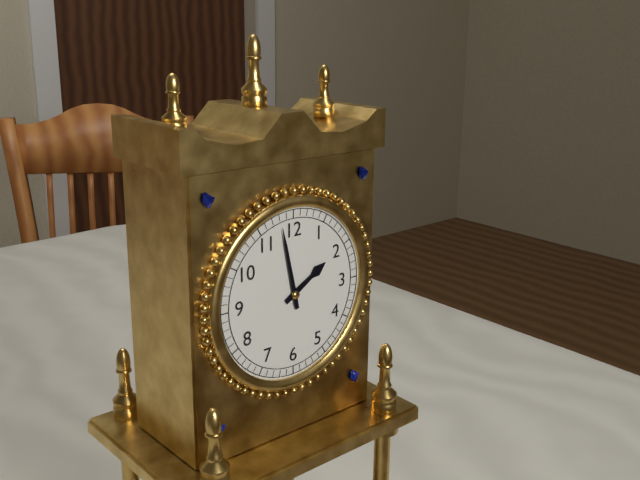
1:58
